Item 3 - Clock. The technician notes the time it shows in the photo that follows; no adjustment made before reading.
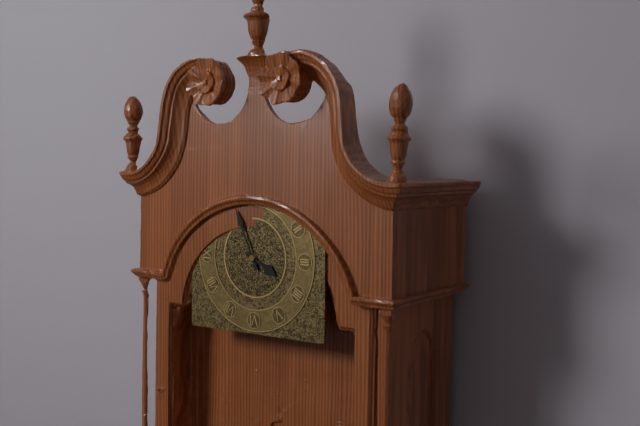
3:56
